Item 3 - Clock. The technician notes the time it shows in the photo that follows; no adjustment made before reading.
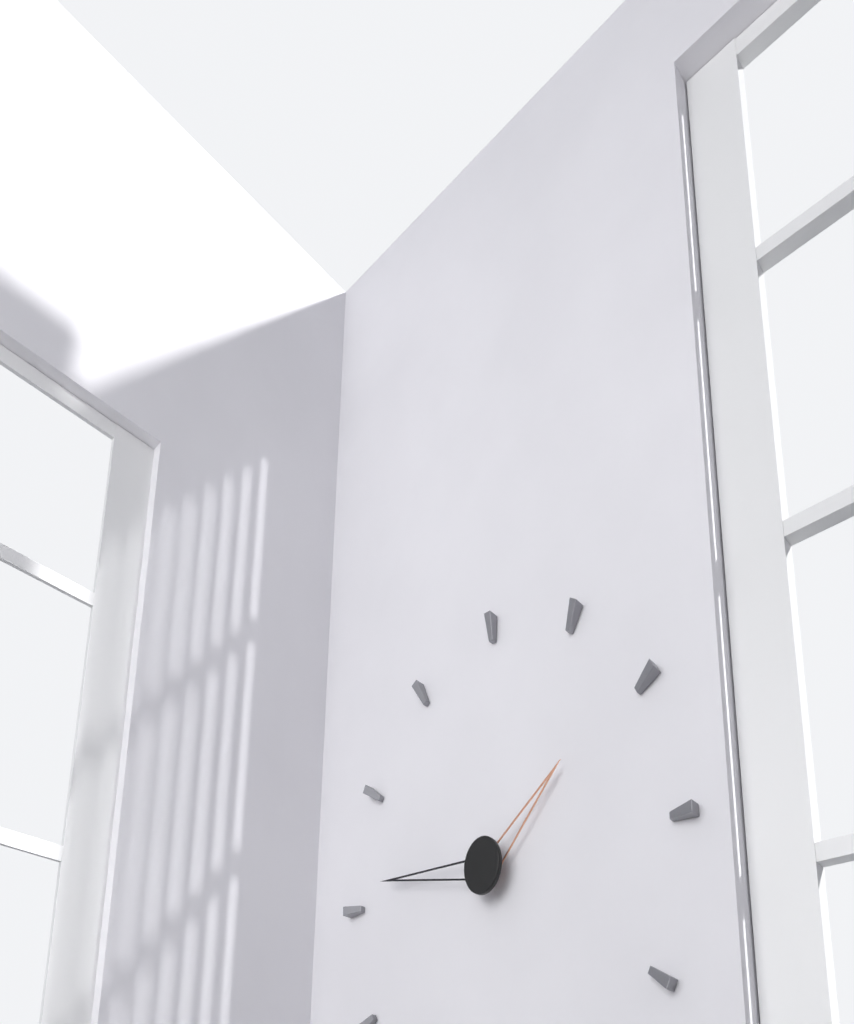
1:46
